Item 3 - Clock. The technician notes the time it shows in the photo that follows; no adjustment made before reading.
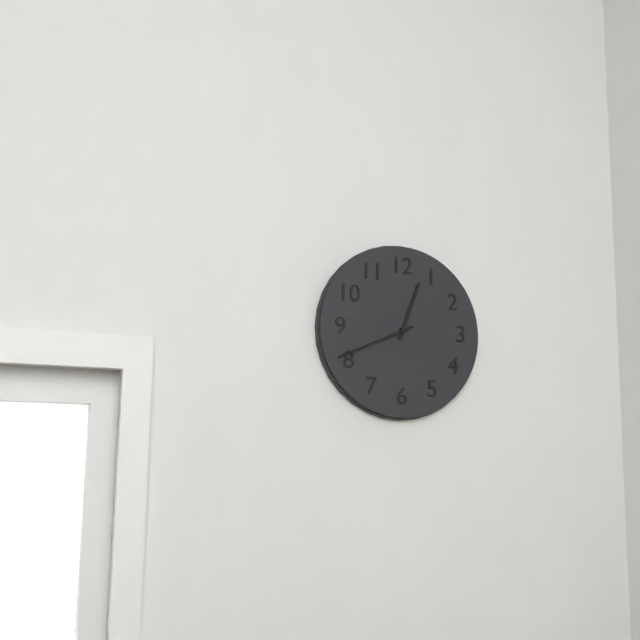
12:41
